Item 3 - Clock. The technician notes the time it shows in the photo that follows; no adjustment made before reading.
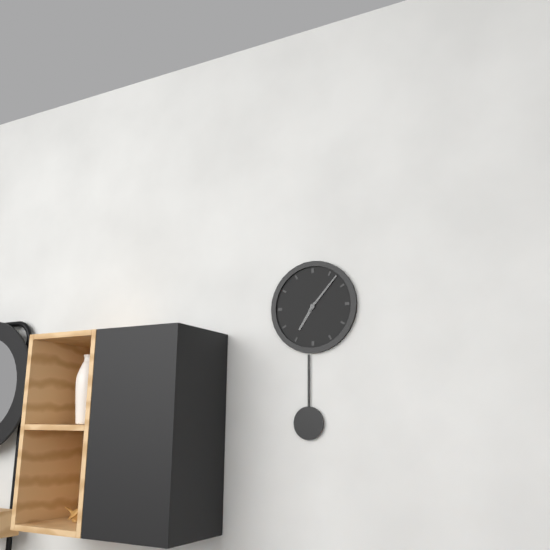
7:07
